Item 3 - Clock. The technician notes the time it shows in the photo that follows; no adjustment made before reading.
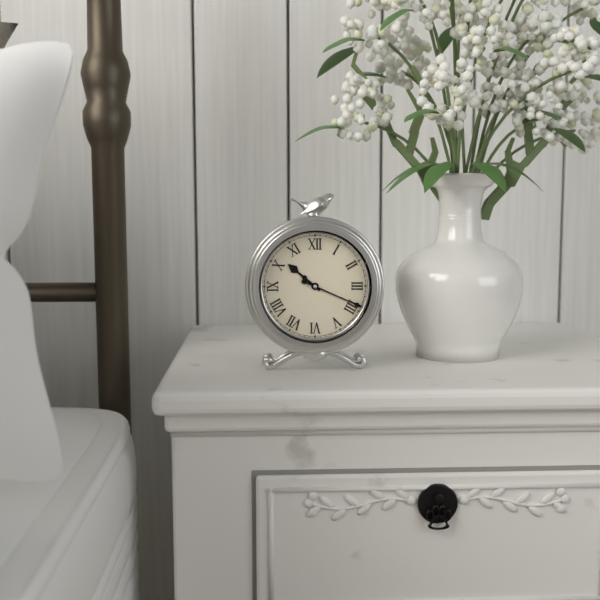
10:19
